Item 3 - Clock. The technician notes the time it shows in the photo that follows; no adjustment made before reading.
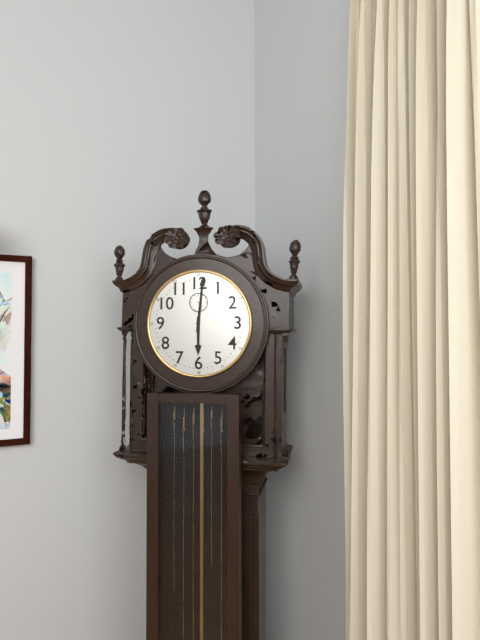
6:01
